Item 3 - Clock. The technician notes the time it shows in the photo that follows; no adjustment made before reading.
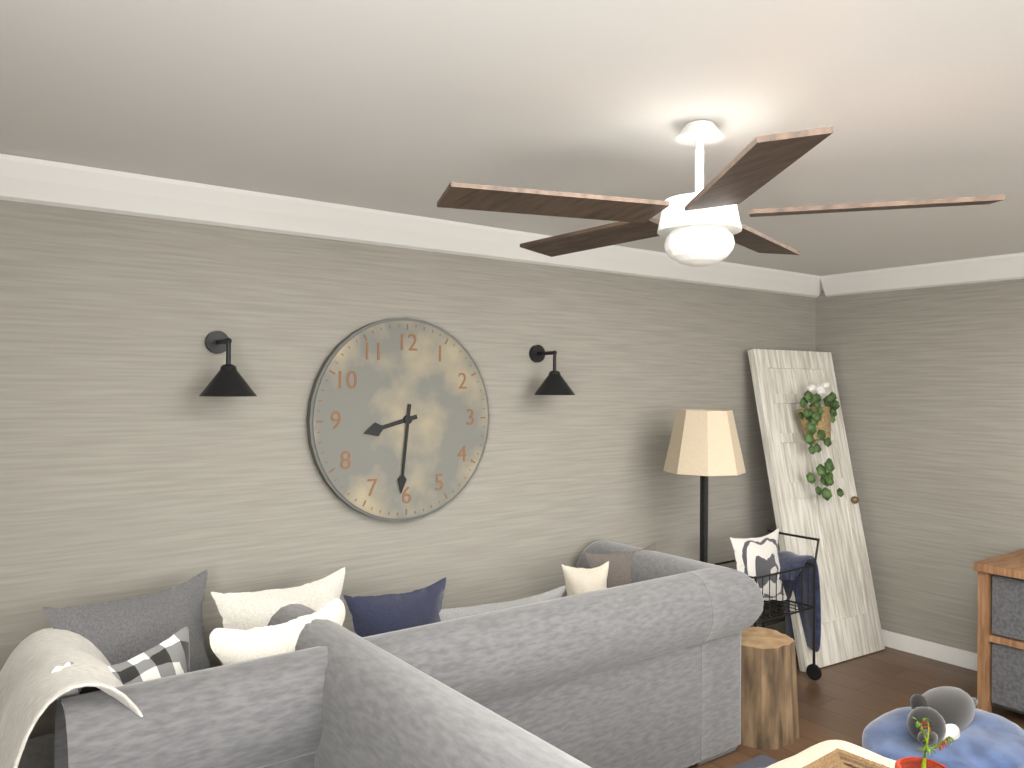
8:31
